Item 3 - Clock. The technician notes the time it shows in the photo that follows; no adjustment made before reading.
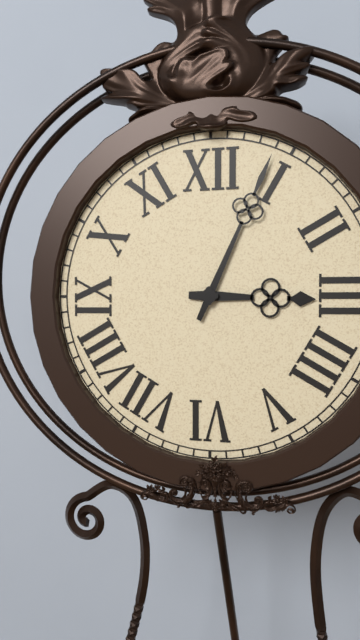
3:04
